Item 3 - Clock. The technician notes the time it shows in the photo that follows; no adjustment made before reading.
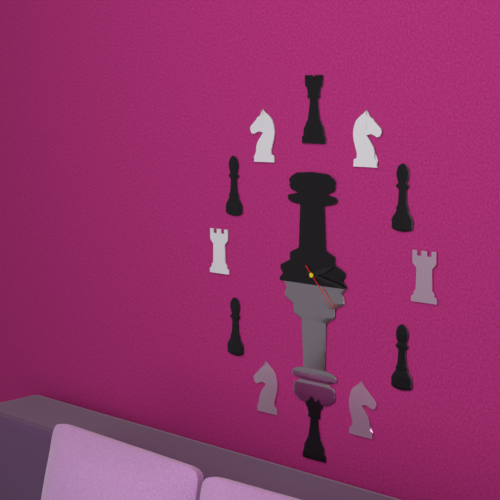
2:17:23
